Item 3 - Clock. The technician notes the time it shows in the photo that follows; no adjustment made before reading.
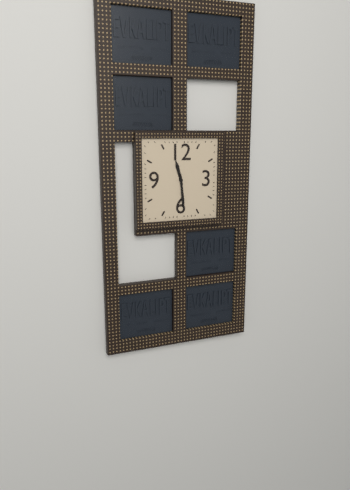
11:29
